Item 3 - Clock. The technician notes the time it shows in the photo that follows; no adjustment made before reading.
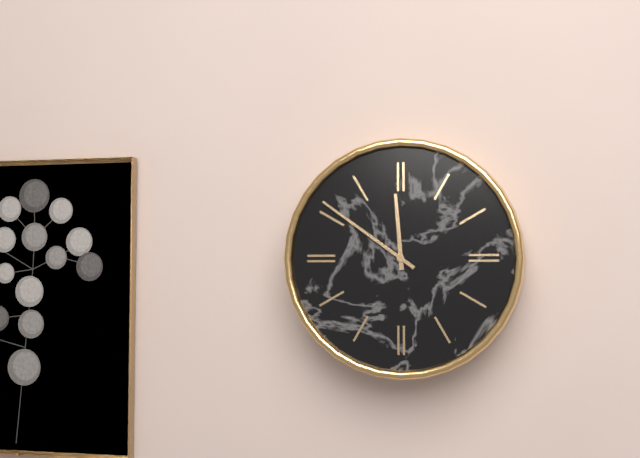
11:51
